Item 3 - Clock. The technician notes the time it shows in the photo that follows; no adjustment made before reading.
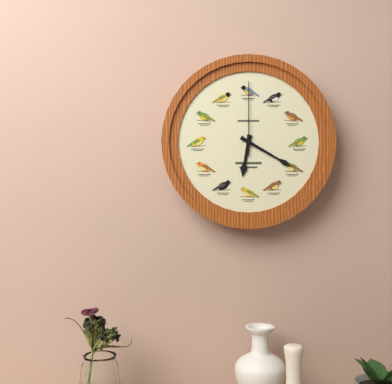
6:20:00
